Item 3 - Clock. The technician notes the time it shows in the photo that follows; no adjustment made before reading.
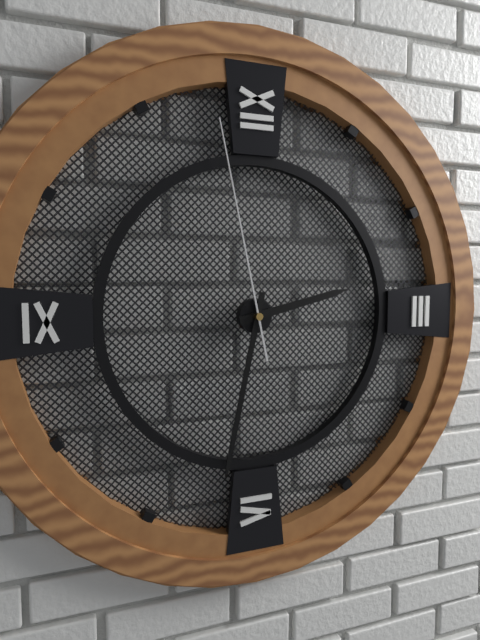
2:32:58
